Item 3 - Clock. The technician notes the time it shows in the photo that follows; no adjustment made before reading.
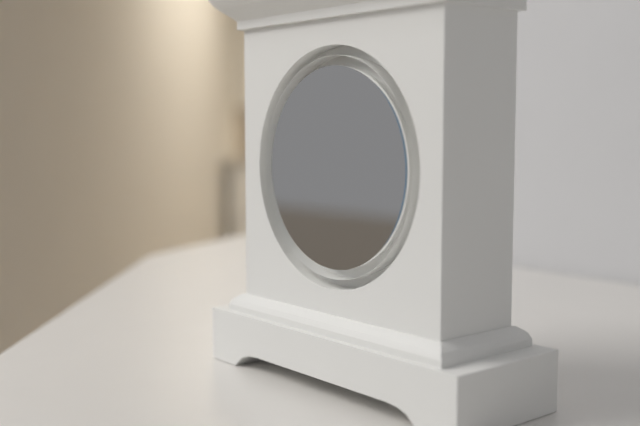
12:47
